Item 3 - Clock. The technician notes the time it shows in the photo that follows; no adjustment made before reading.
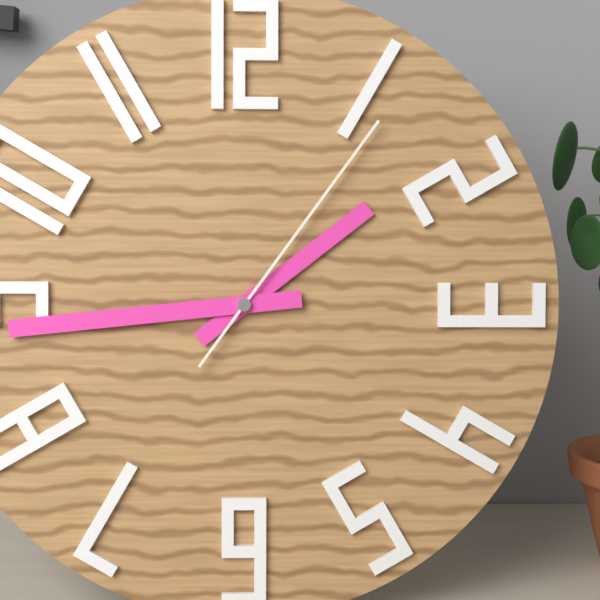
1:44:06
